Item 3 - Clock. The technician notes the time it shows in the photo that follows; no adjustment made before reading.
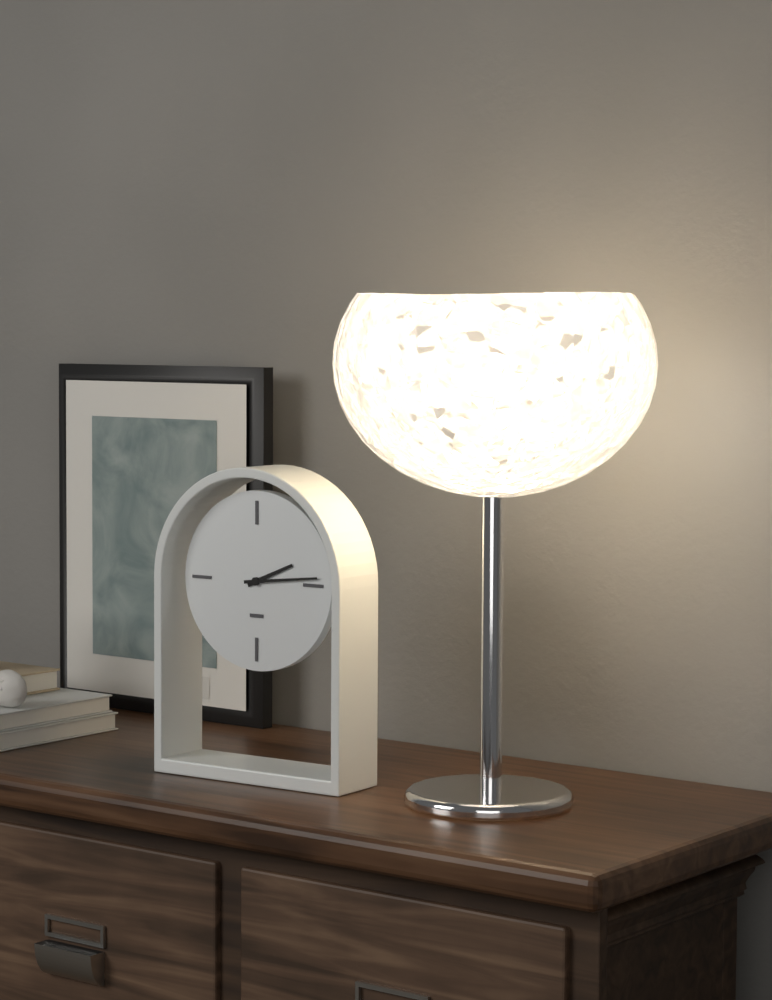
2:14
